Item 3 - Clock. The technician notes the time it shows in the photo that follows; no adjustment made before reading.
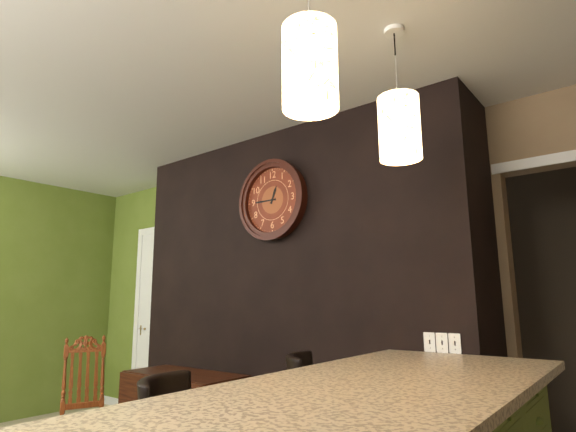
12:45
